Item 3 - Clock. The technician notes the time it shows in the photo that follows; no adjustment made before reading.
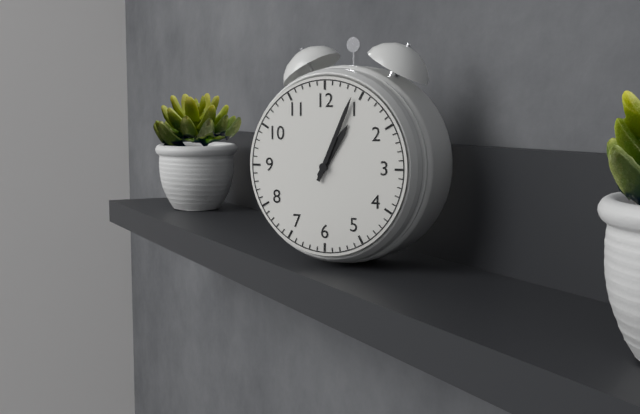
1:04
